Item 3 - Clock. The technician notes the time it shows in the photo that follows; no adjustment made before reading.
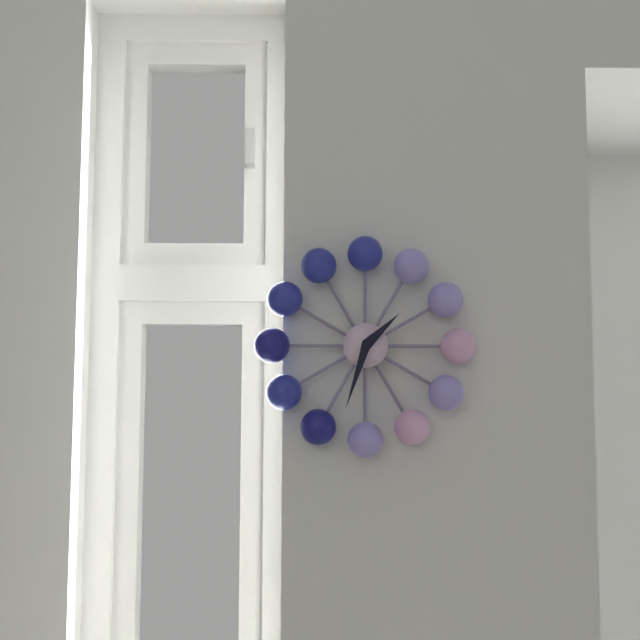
1:33
